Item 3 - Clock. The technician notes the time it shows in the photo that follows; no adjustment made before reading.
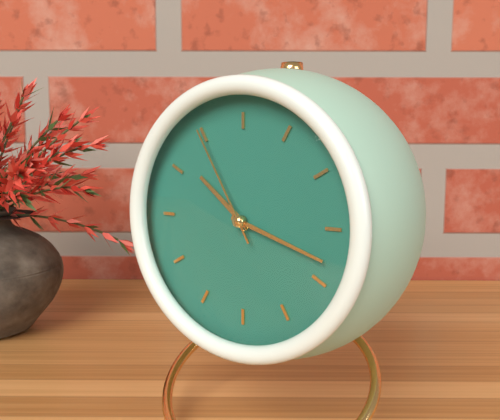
10:18:55
